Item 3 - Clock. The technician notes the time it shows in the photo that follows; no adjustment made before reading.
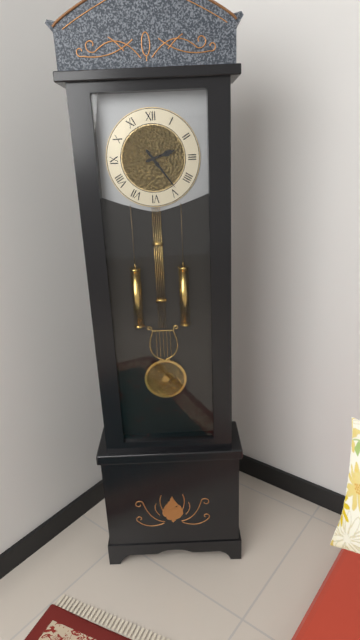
2:24
